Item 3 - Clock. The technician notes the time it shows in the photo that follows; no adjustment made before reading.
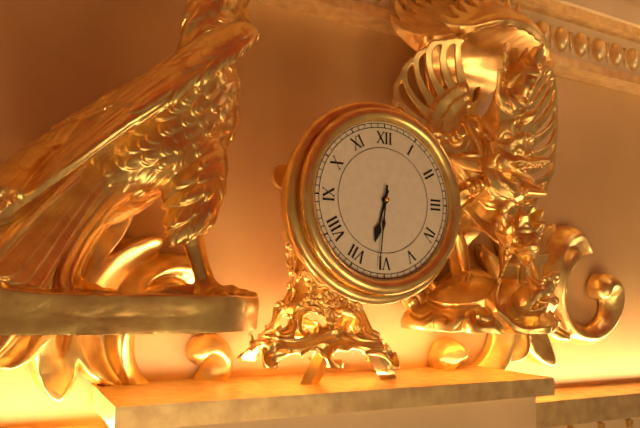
6:31
